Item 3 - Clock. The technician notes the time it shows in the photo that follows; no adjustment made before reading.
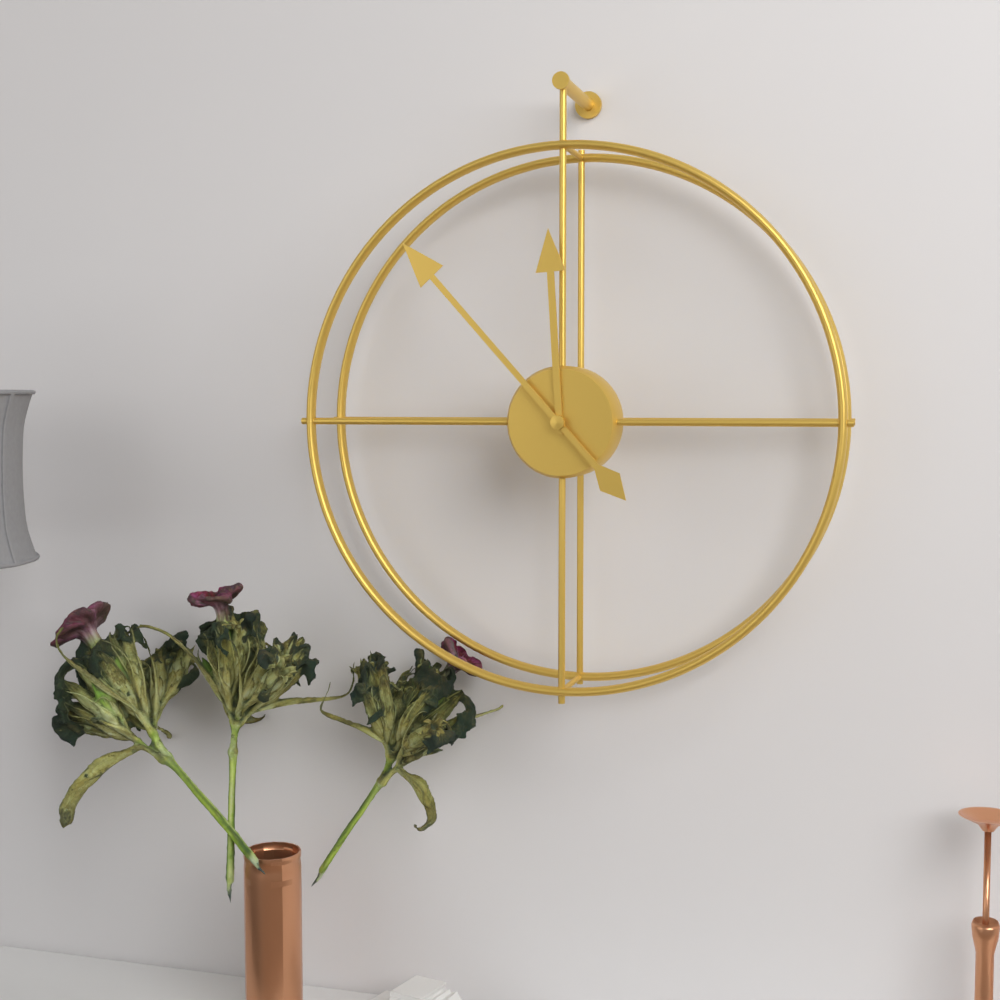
11:53
